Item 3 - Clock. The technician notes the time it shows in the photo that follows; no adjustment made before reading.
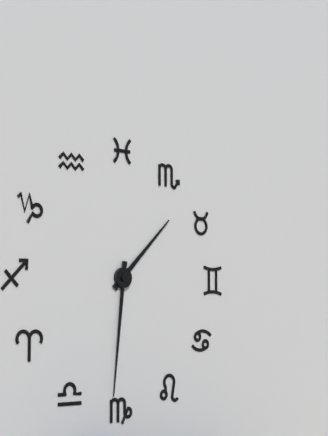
1:31
